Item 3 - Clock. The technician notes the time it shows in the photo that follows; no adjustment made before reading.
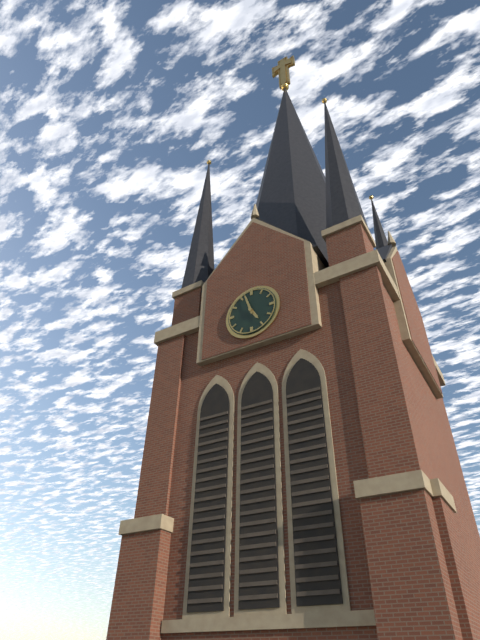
4:57
